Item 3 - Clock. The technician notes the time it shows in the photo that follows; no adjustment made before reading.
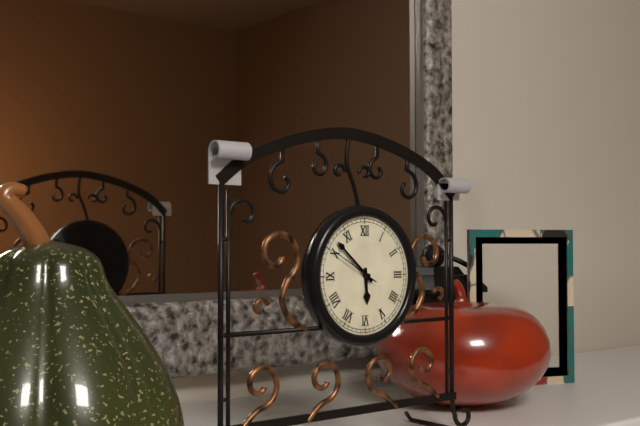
5:52
